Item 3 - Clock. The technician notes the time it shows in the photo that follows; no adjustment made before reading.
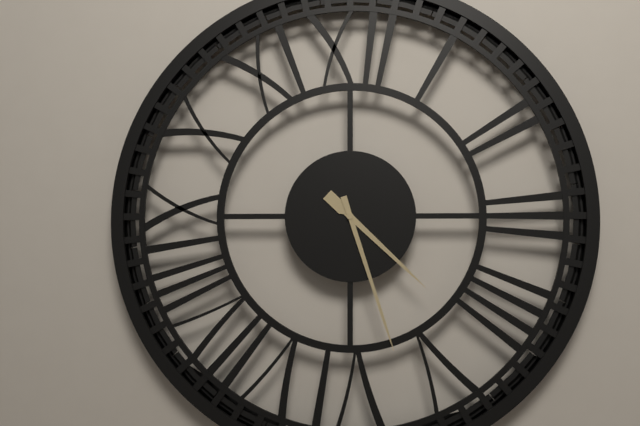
4:27
